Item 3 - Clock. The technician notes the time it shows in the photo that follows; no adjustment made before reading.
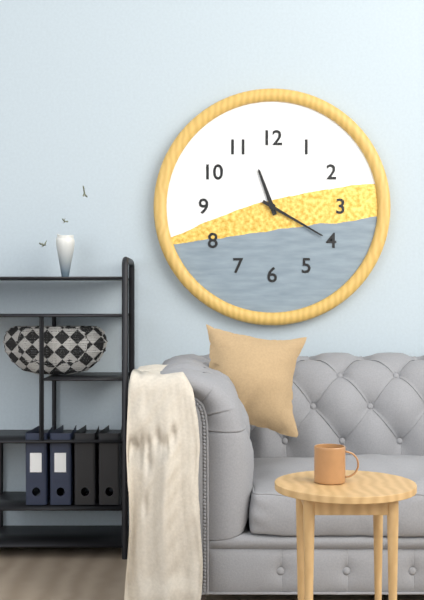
11:20
